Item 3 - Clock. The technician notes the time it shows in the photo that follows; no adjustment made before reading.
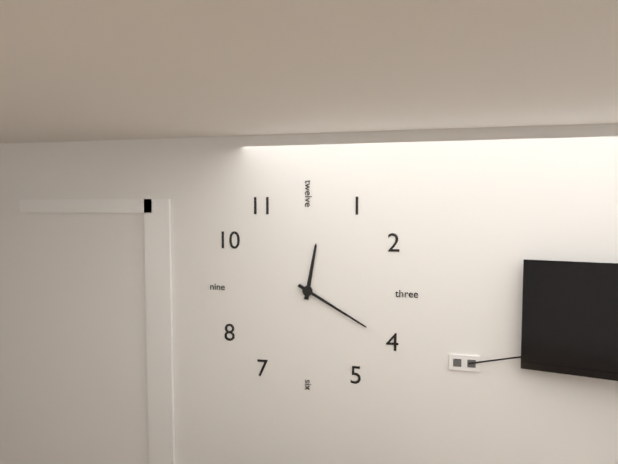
12:20
